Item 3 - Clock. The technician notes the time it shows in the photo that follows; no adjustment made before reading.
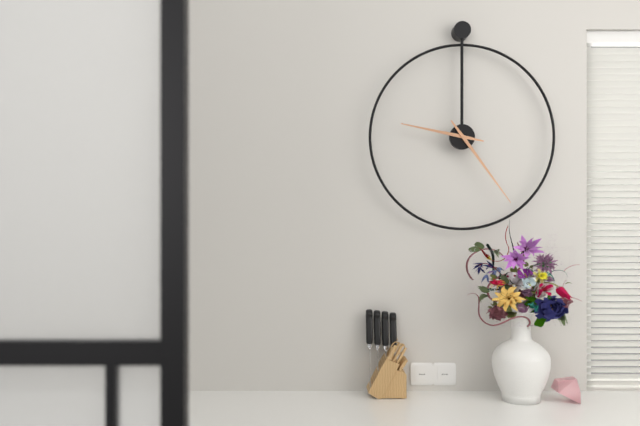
9:24
